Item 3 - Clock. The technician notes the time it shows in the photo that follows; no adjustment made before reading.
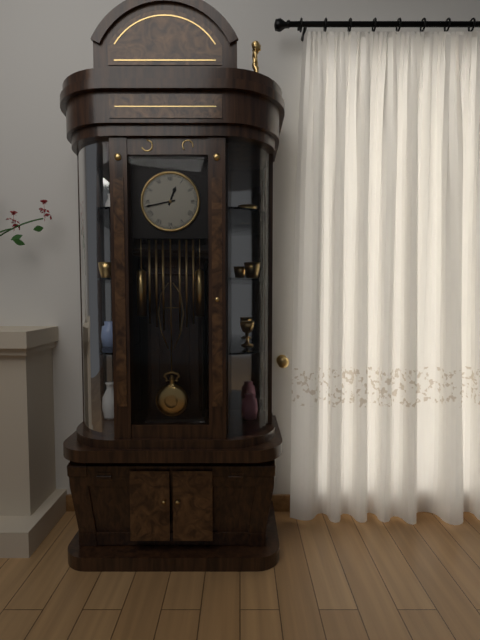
12:43
